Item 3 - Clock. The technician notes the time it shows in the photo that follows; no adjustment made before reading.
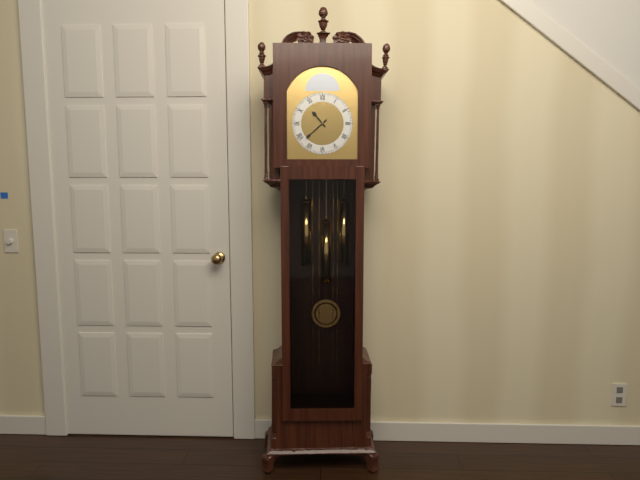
10:38
